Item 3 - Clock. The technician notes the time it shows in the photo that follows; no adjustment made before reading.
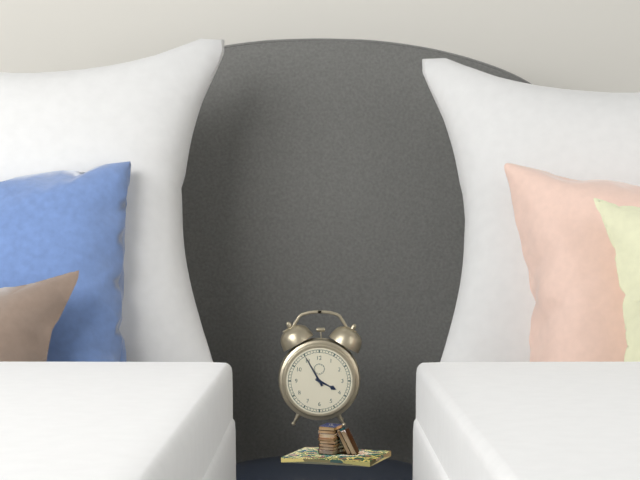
3:55
